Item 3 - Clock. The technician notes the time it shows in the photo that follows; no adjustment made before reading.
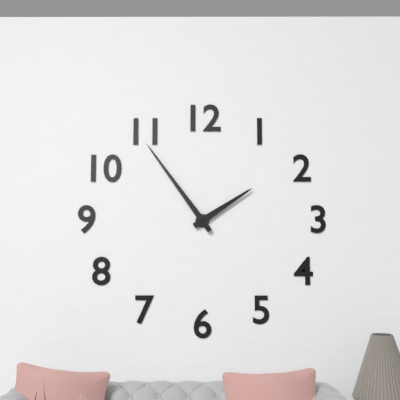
1:54
